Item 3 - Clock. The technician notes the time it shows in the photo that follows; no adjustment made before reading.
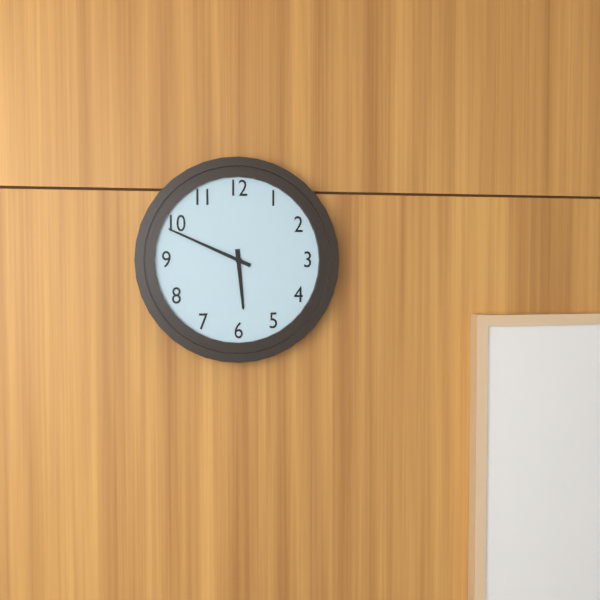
5:49
